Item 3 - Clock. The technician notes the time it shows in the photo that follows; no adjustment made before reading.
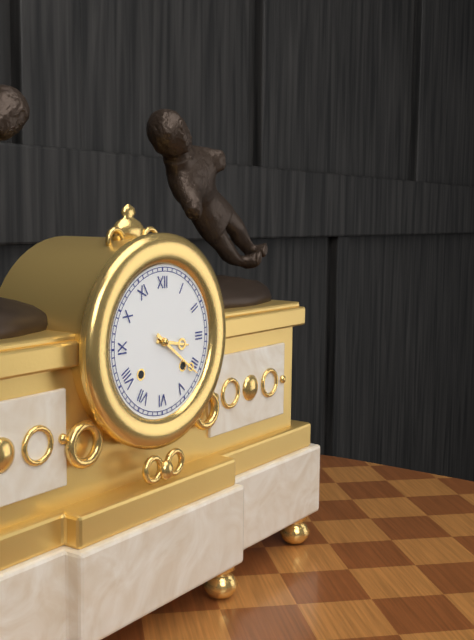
3:21
